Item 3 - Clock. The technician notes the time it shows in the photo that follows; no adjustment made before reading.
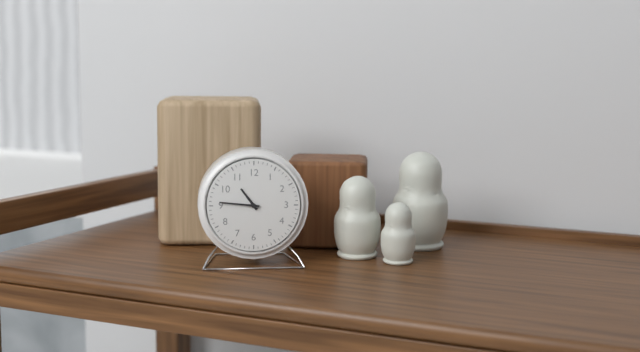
10:46
